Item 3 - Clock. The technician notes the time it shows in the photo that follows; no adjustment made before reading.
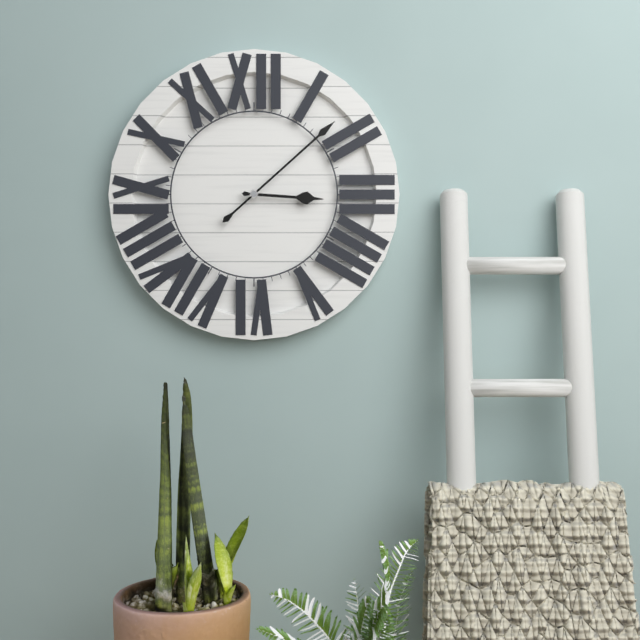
3:08
